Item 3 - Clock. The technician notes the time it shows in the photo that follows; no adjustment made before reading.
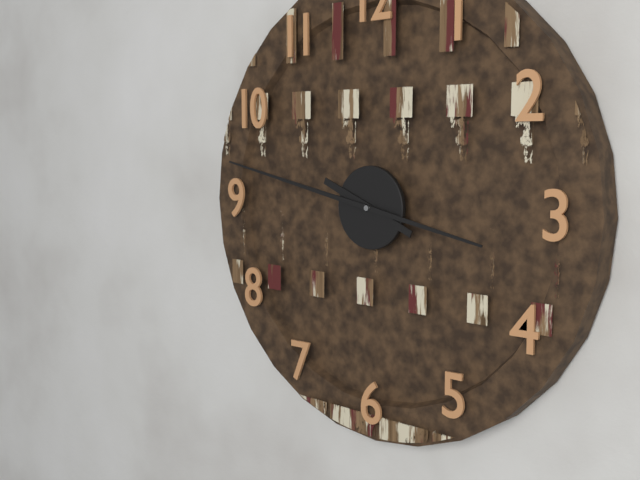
9:47
